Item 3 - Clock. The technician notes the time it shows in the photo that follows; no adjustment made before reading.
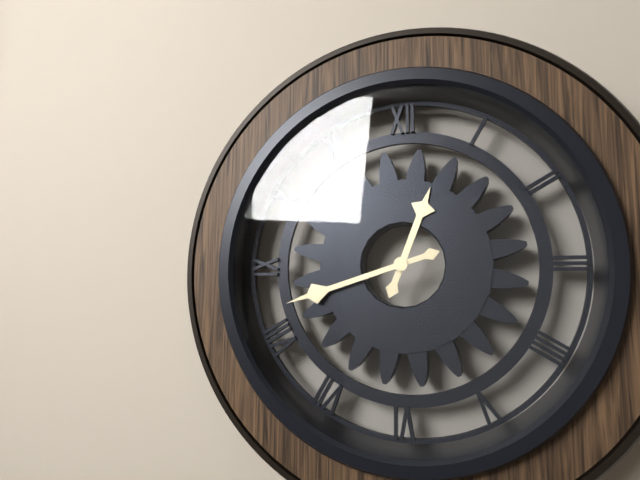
12:42
